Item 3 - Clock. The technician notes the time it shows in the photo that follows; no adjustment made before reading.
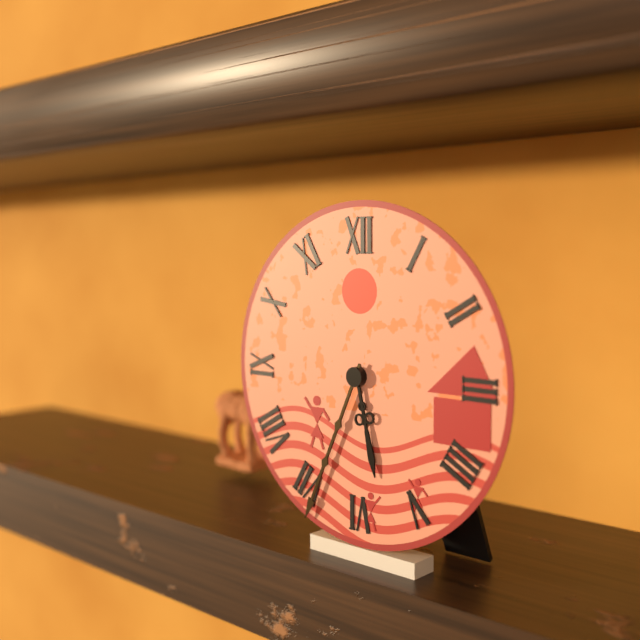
5:34
